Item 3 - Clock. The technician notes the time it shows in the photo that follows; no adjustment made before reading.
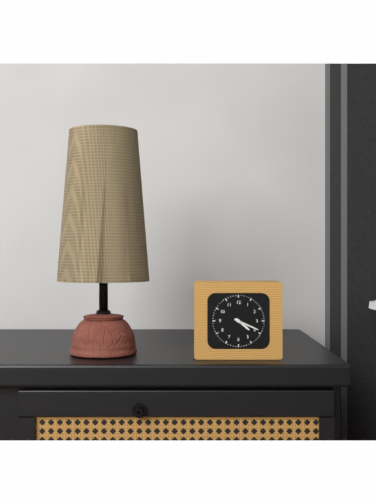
4:19
